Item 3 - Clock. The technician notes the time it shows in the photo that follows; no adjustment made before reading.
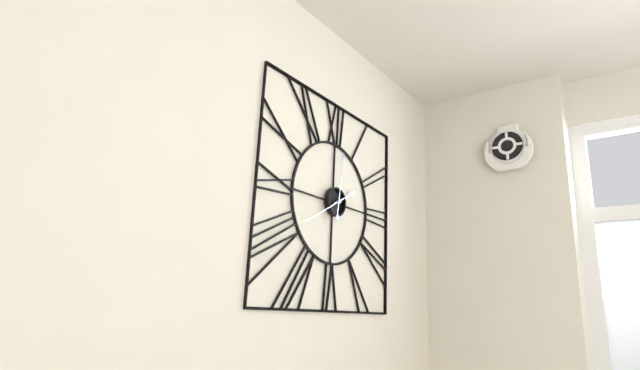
2:01
